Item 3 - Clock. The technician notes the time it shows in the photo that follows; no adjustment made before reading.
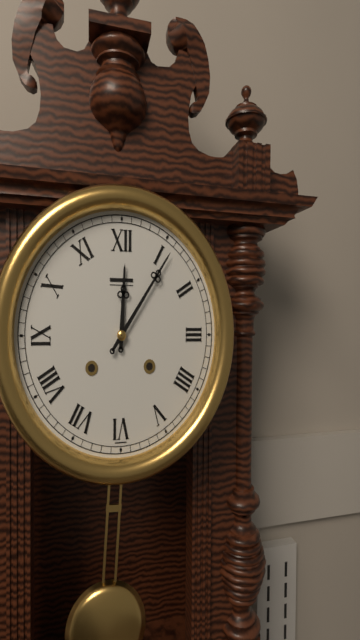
12:06
